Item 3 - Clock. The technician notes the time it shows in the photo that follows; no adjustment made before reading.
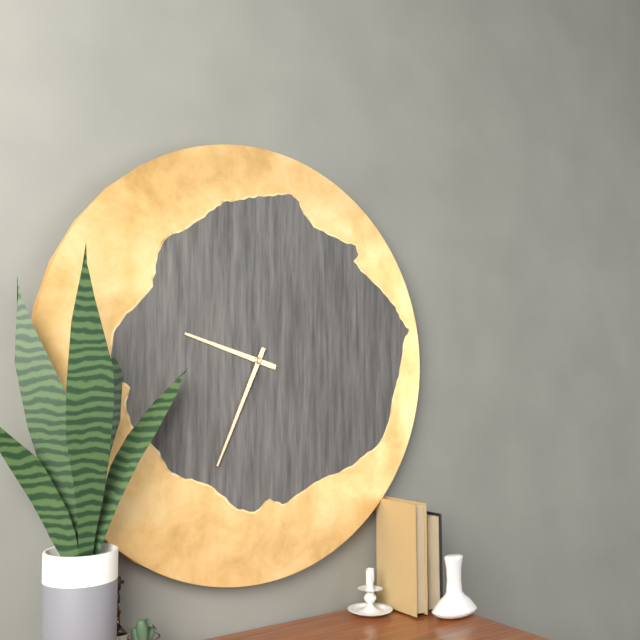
9:34
